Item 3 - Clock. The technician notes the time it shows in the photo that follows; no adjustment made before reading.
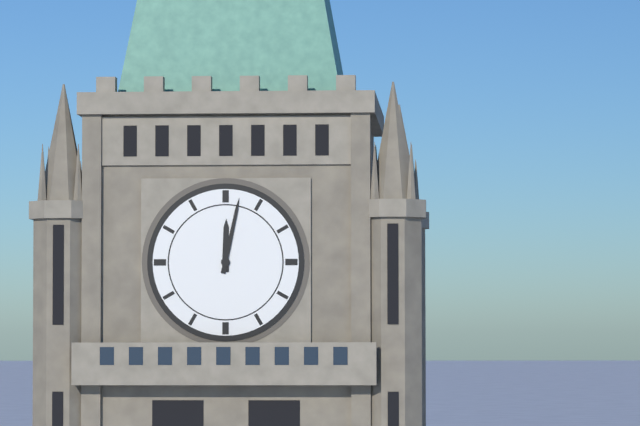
12:02
